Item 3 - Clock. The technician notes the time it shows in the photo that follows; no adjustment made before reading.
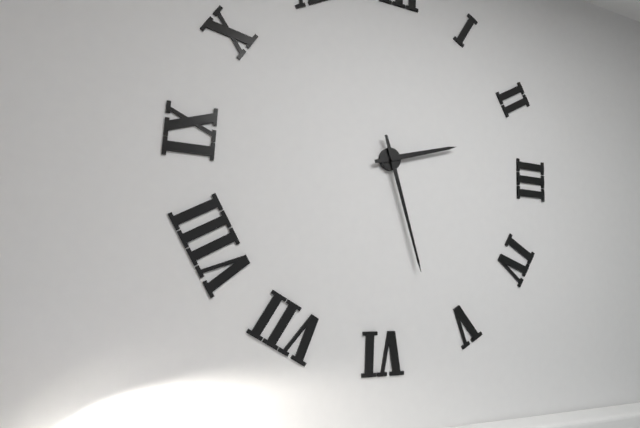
2:27
